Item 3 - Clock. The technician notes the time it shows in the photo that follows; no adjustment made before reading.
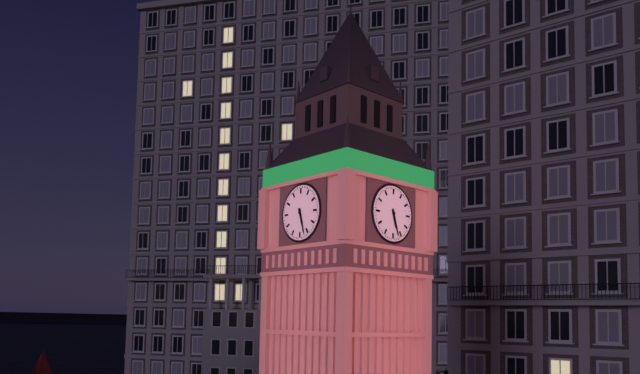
5:27
